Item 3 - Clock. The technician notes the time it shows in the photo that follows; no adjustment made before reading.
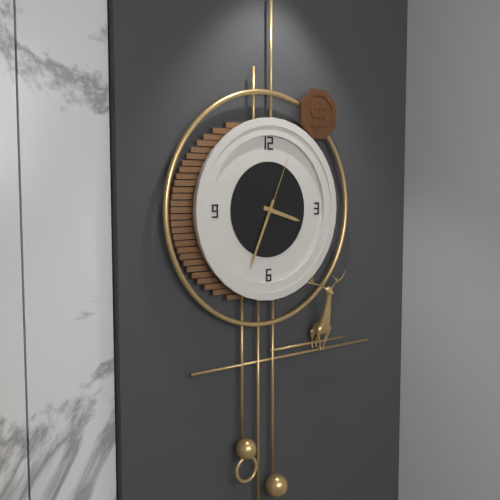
3:34:04
